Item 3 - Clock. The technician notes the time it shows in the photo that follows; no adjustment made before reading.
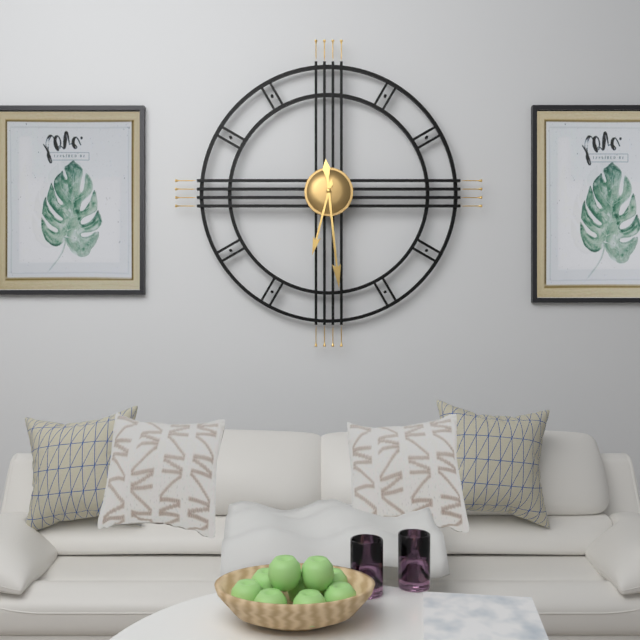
6:29
